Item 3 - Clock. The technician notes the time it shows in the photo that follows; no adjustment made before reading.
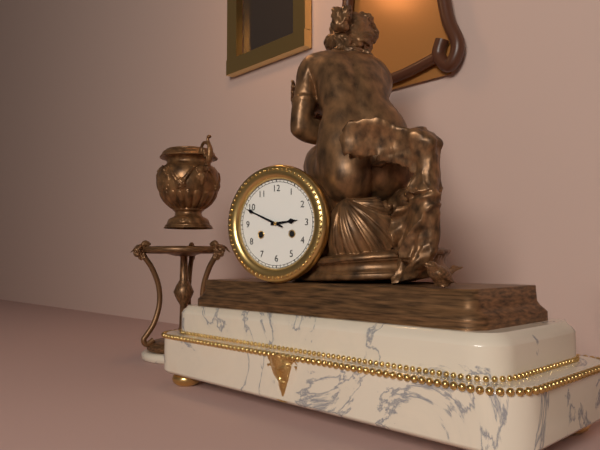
2:49
